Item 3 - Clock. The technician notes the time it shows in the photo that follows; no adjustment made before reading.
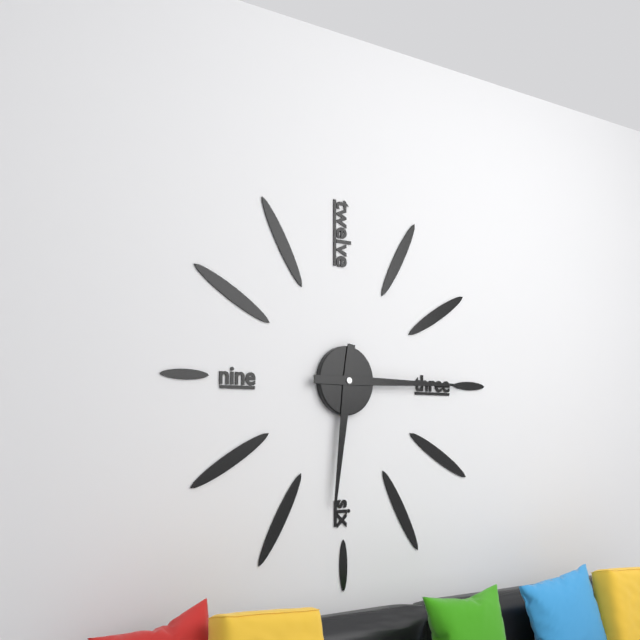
6:15
